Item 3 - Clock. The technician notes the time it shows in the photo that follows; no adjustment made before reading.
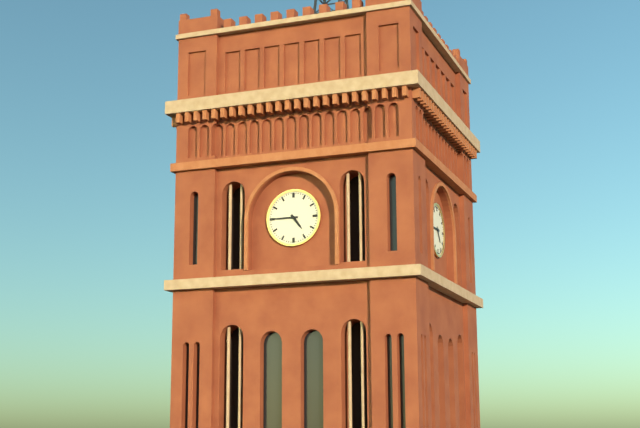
4:45
